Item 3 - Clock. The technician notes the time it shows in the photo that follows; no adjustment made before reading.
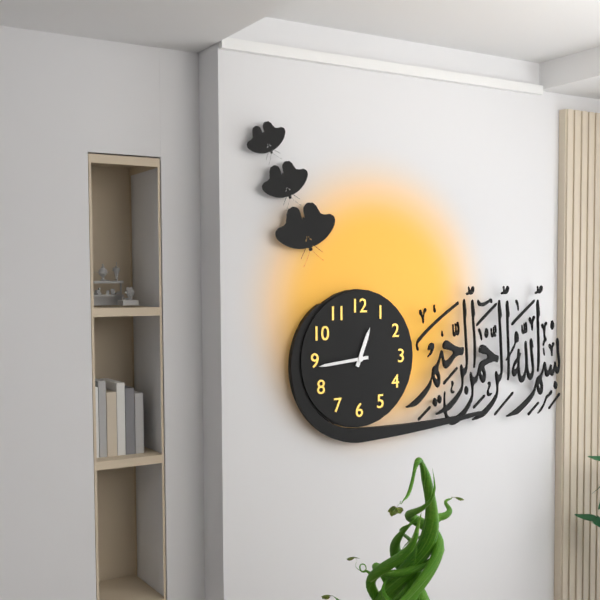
12:44
